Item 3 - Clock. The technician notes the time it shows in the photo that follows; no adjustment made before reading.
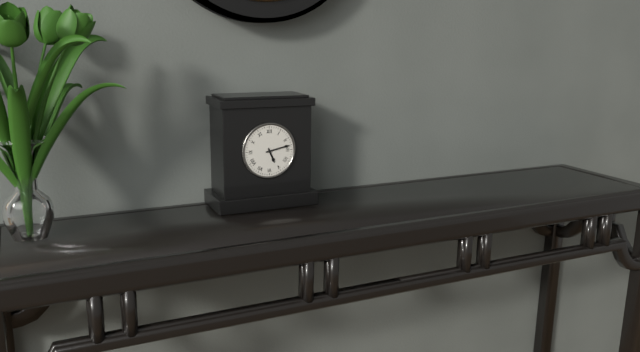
5:13
